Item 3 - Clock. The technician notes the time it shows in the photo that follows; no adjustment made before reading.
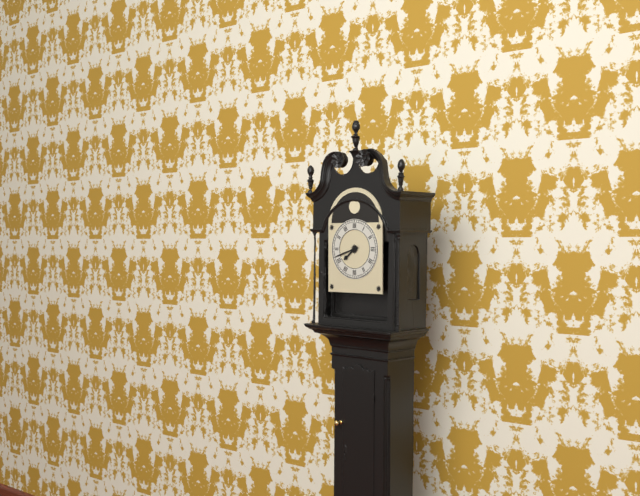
7:42
